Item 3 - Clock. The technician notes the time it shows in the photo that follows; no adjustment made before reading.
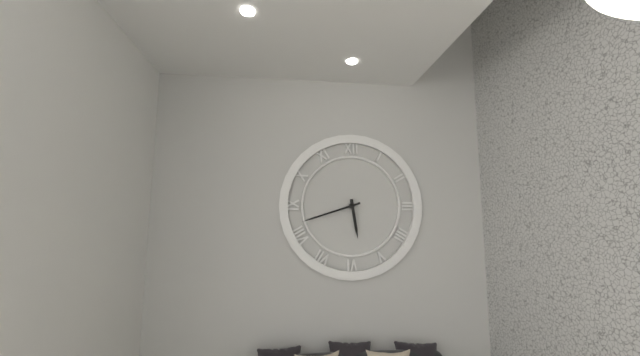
5:42
